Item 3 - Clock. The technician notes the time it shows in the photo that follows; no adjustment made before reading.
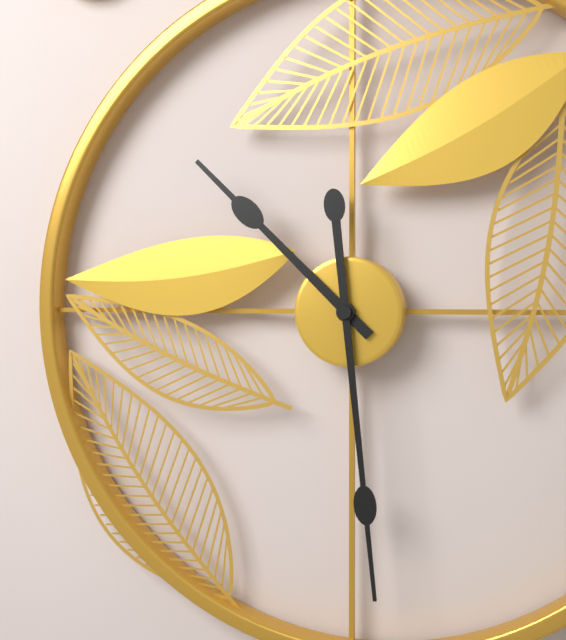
10:29
